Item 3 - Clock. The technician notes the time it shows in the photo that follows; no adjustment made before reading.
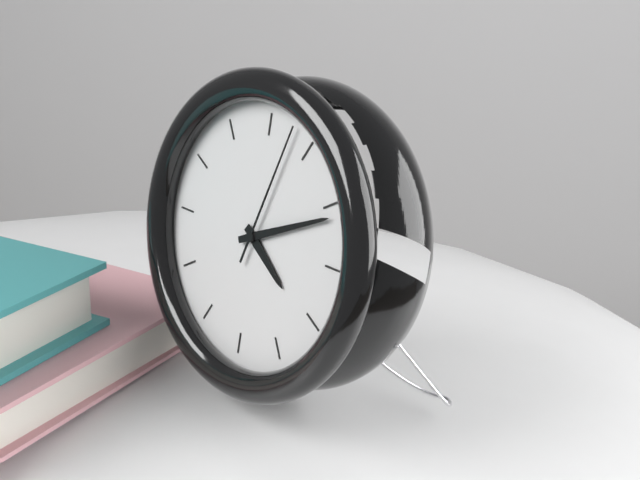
4:11:03
